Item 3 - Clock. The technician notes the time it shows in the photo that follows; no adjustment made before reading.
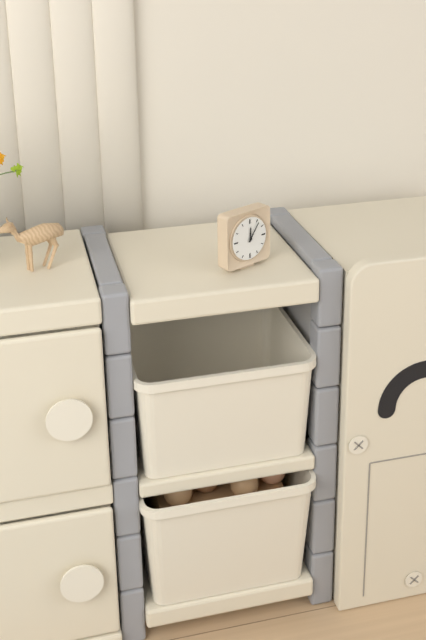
12:06
